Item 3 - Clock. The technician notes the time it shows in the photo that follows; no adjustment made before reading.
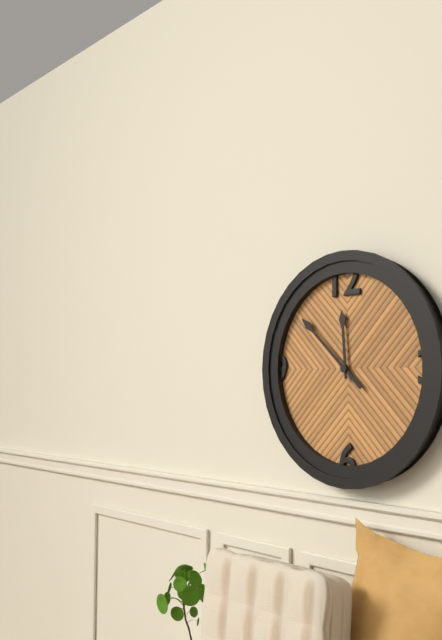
11:52
